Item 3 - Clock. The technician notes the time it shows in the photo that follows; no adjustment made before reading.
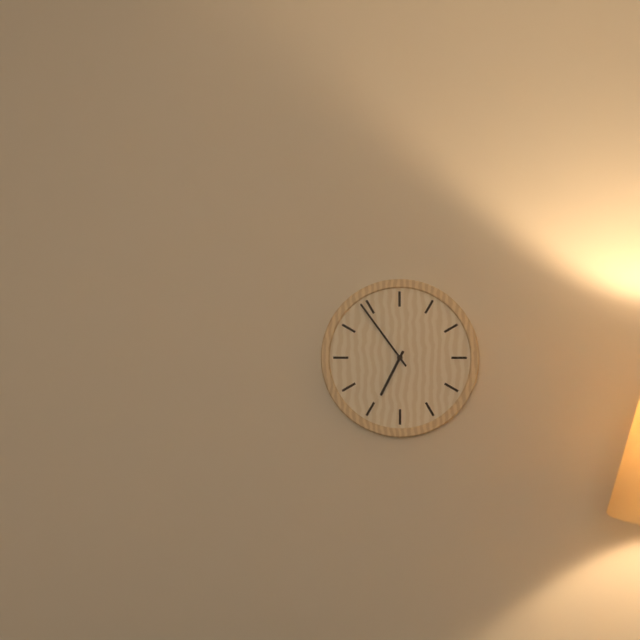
6:54
